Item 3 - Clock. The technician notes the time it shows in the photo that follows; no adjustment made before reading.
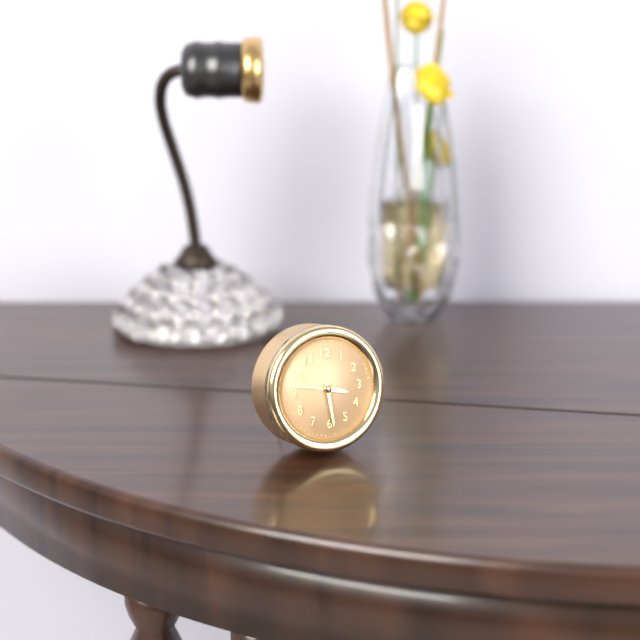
3:29
